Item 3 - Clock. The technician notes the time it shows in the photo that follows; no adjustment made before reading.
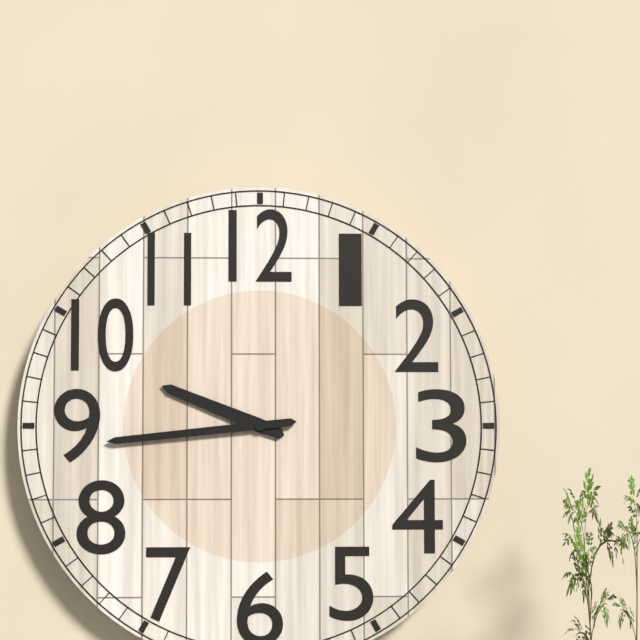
9:44
